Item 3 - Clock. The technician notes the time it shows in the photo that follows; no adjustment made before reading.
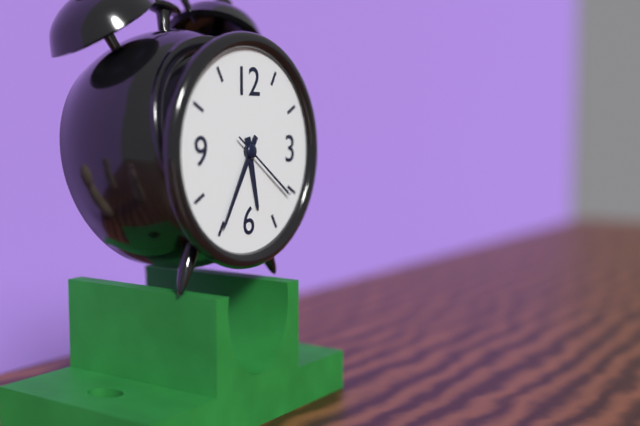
5:35:21
